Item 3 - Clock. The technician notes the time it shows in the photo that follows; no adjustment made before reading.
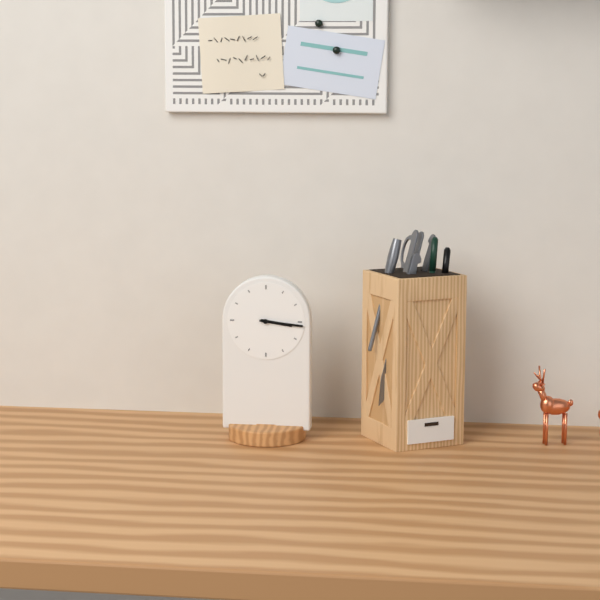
3:16
